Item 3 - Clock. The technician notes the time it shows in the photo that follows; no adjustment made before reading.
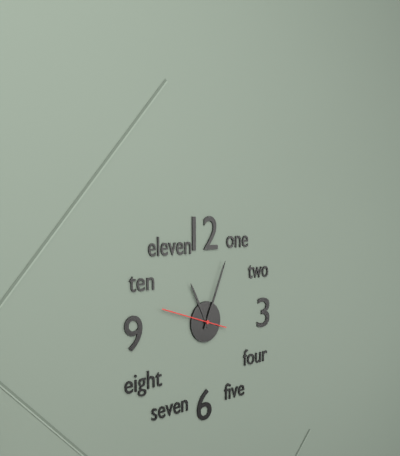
11:04:48
